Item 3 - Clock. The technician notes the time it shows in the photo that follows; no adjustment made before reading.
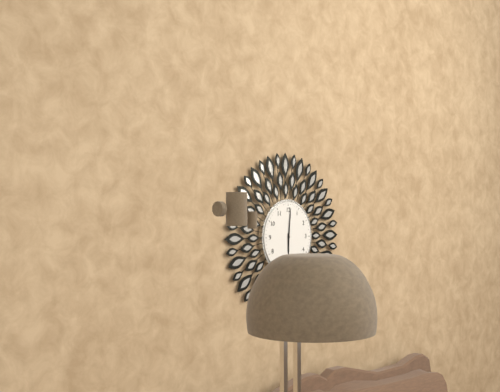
6:01
